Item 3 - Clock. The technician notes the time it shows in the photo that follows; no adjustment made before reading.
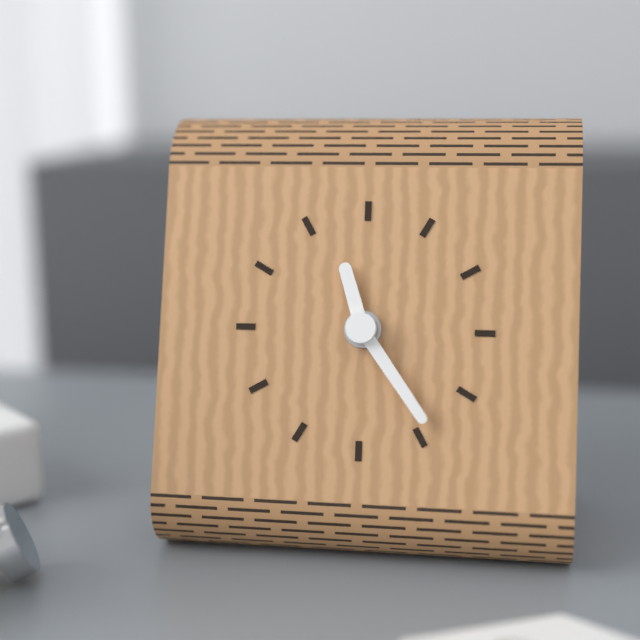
11:24
